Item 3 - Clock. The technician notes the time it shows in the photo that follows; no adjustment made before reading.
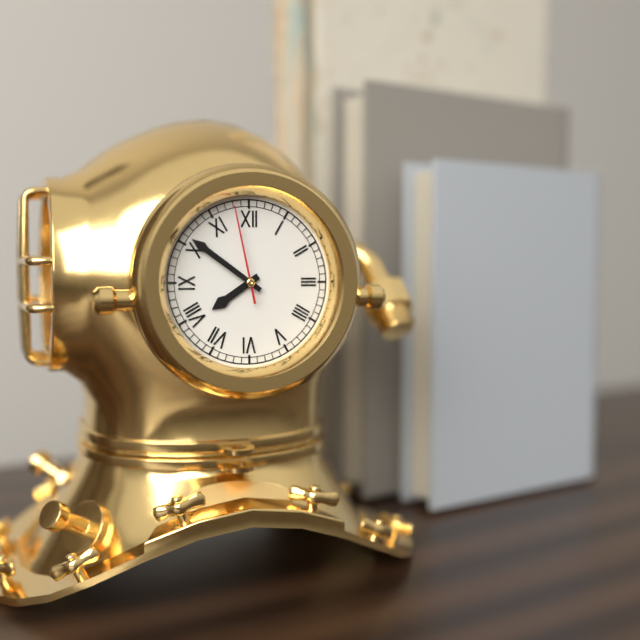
7:51:58
